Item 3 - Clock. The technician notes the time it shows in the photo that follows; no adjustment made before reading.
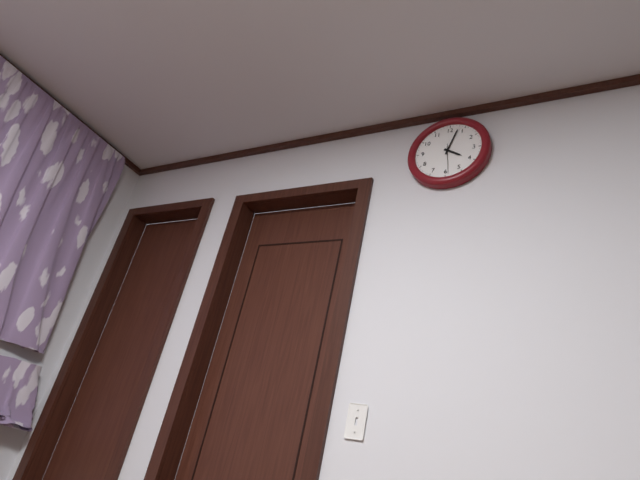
4:03
